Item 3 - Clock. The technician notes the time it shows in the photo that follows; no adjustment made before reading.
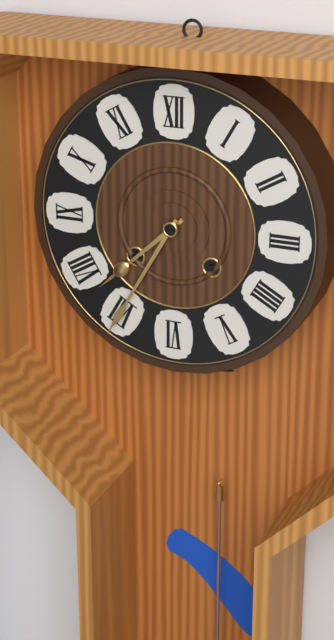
7:35
